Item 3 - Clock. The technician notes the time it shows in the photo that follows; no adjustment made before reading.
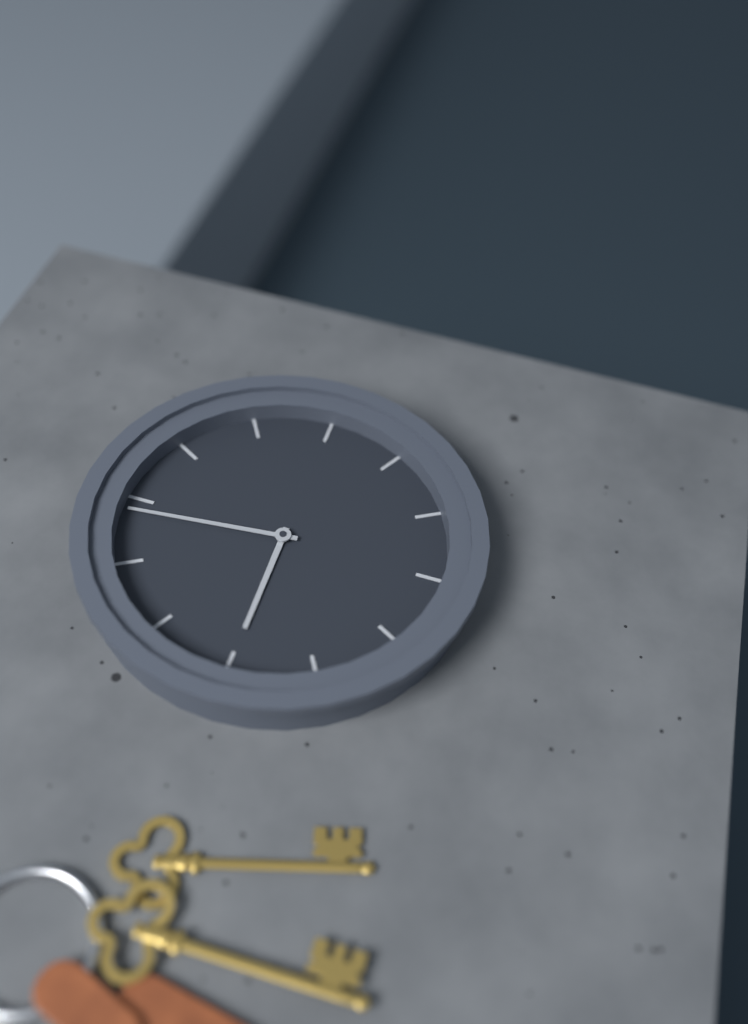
8:59
